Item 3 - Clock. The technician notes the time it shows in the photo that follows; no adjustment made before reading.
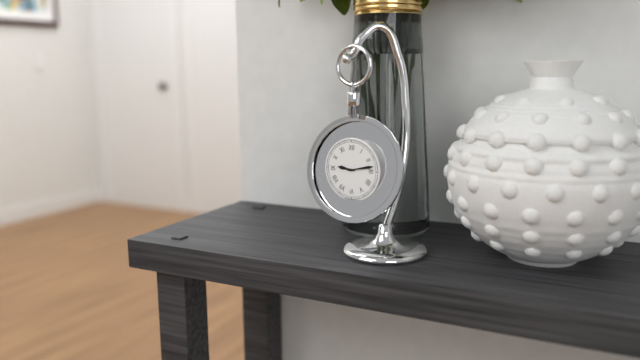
9:13
